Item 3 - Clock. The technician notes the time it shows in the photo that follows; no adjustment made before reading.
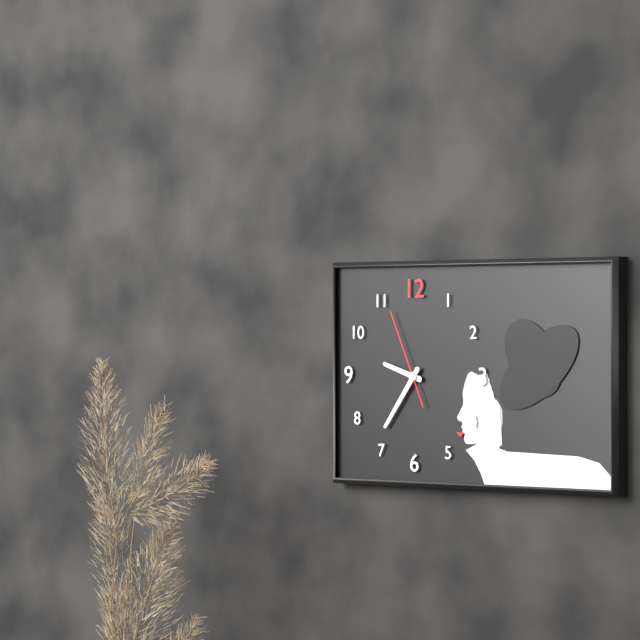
9:36:56
